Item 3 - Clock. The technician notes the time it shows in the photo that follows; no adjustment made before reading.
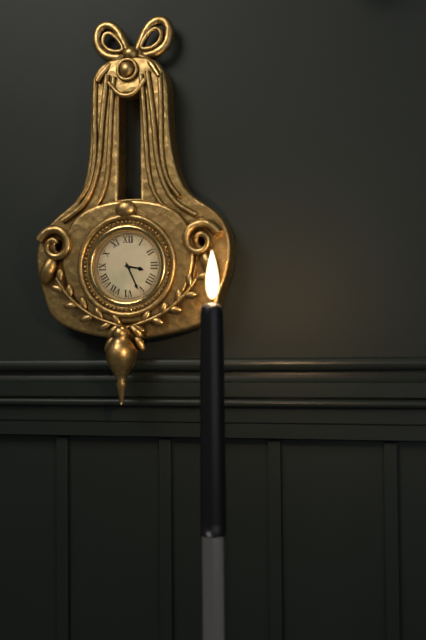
3:26
